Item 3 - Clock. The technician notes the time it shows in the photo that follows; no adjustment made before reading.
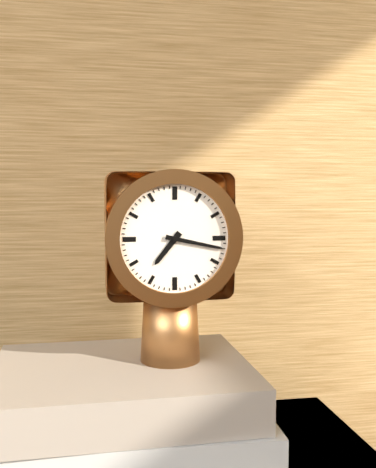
7:17
